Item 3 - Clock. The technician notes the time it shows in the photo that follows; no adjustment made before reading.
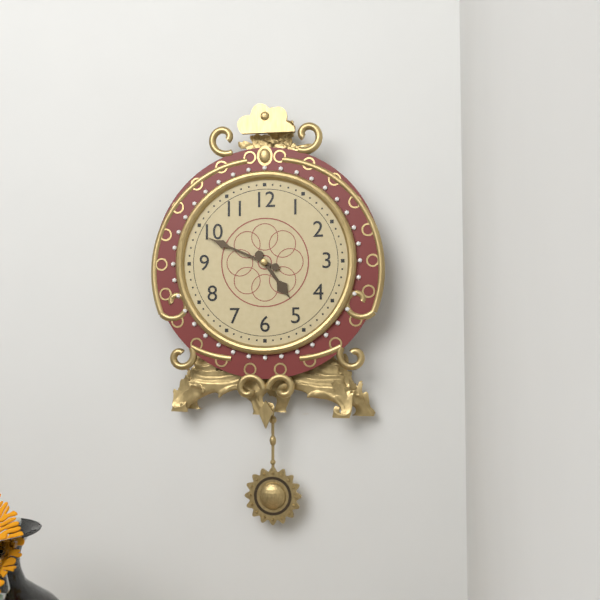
4:49
